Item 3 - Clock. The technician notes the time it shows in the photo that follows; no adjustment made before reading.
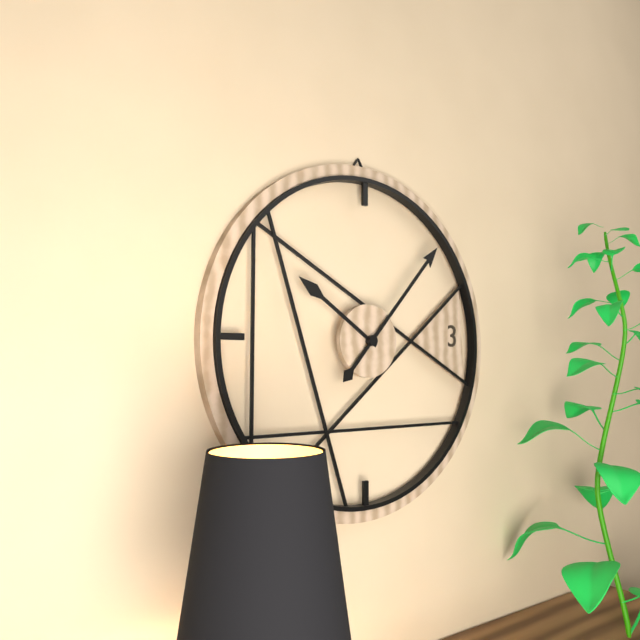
10:07
